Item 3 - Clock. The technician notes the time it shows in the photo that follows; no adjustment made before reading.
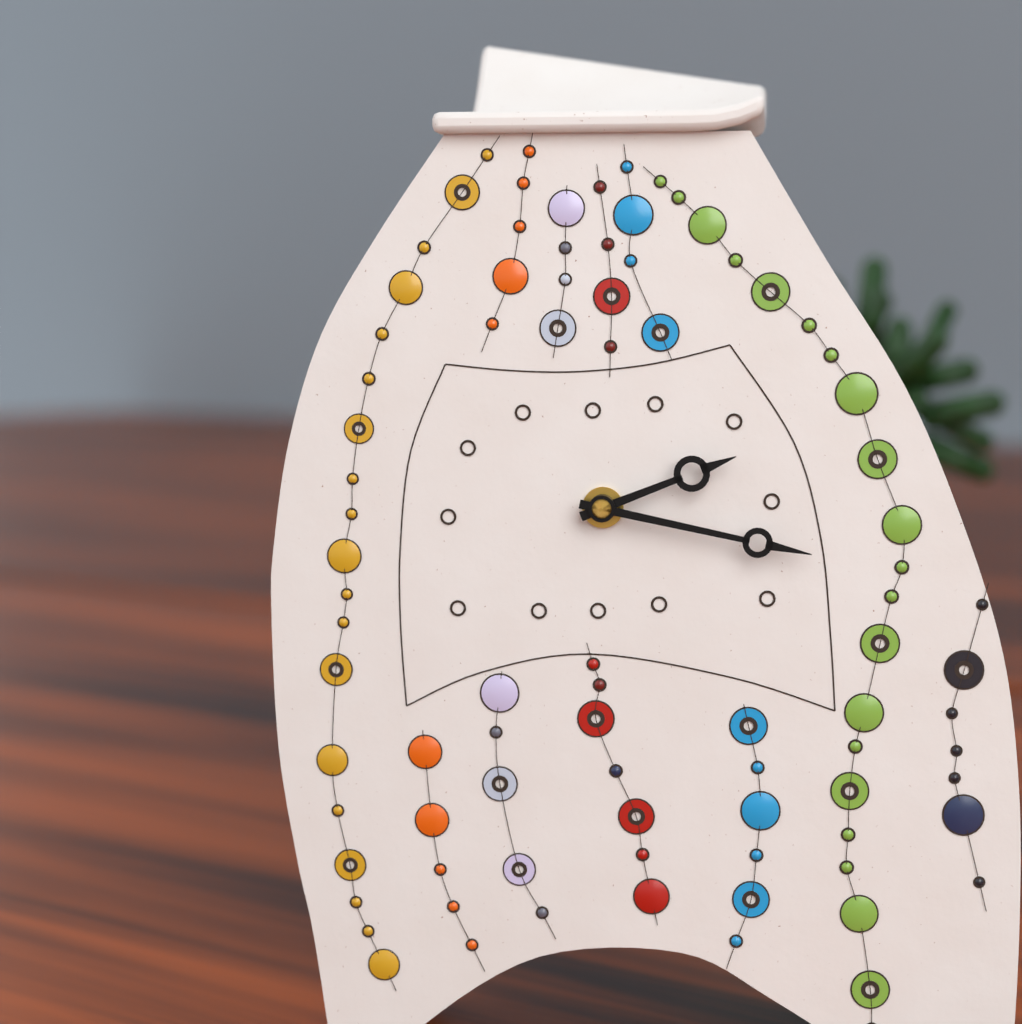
2:17
